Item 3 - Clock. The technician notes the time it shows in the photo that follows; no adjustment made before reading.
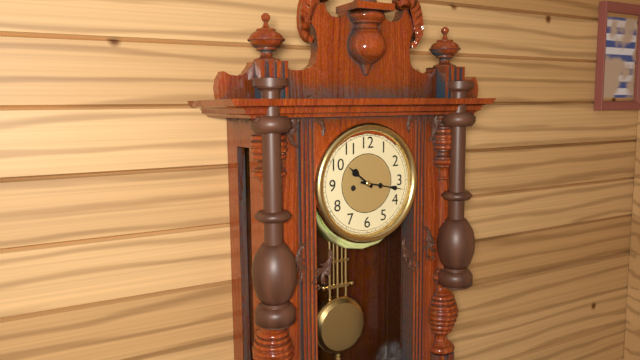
10:17
